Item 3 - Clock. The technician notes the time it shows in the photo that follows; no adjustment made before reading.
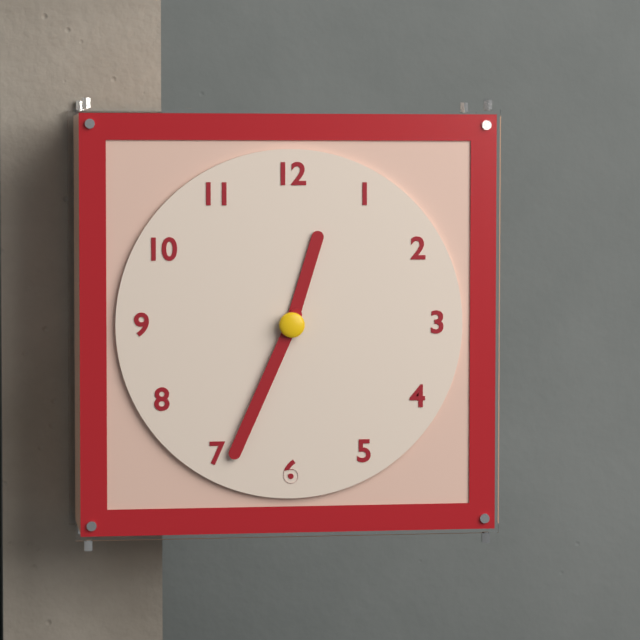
12:34
